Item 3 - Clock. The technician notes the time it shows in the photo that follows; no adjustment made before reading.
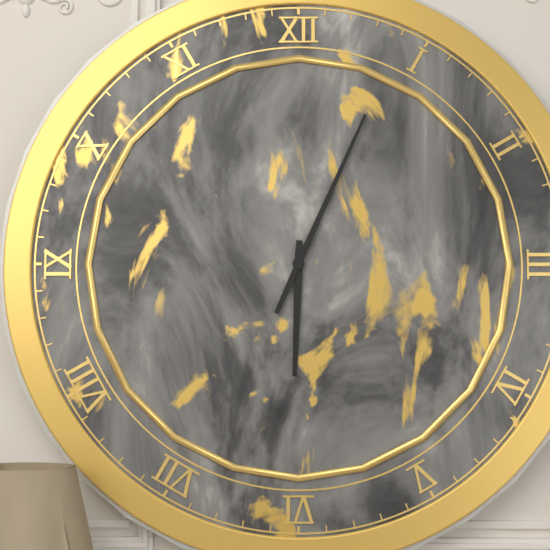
6:04
